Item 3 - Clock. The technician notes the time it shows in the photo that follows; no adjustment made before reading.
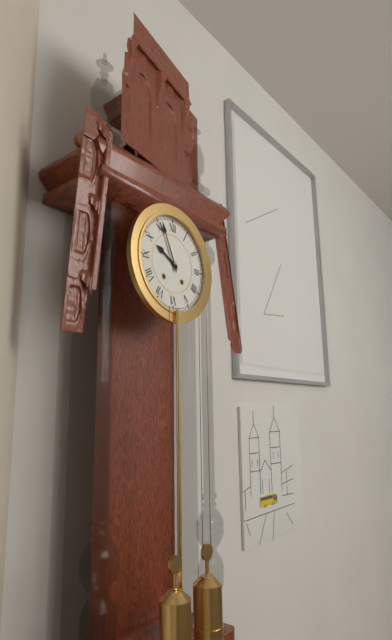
9:56
